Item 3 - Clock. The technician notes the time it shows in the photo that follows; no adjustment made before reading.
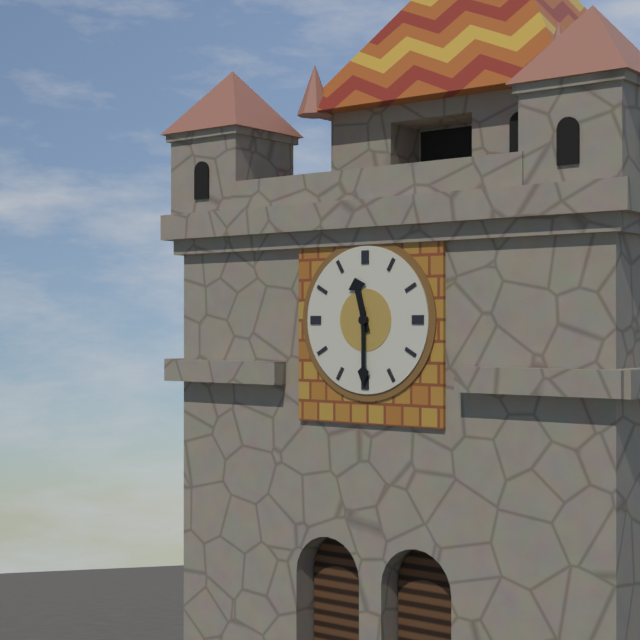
11:30
